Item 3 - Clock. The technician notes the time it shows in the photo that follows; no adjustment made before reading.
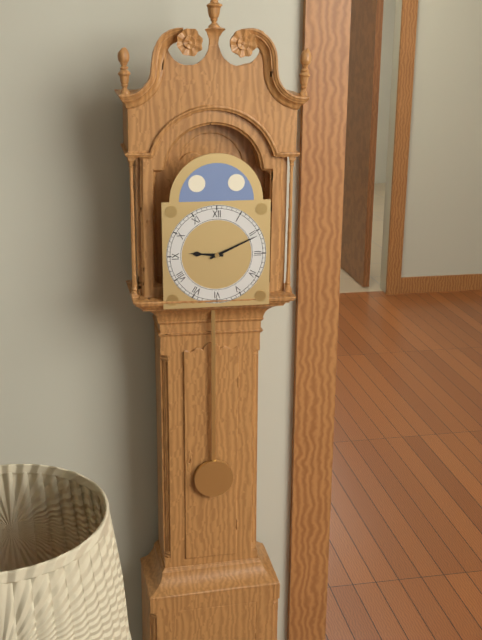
9:11
